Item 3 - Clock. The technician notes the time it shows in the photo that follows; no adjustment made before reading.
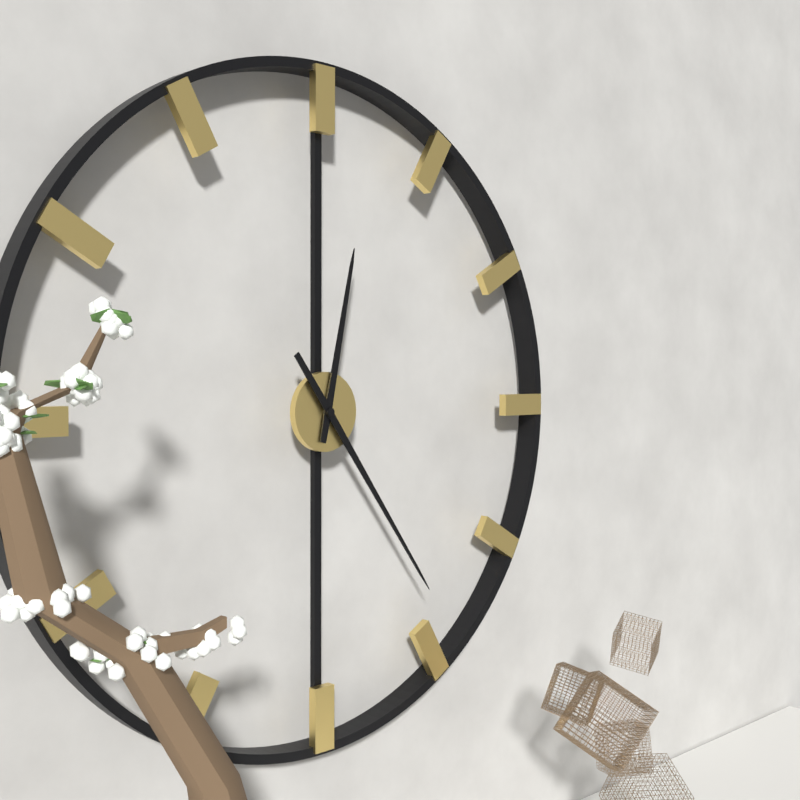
12:24
